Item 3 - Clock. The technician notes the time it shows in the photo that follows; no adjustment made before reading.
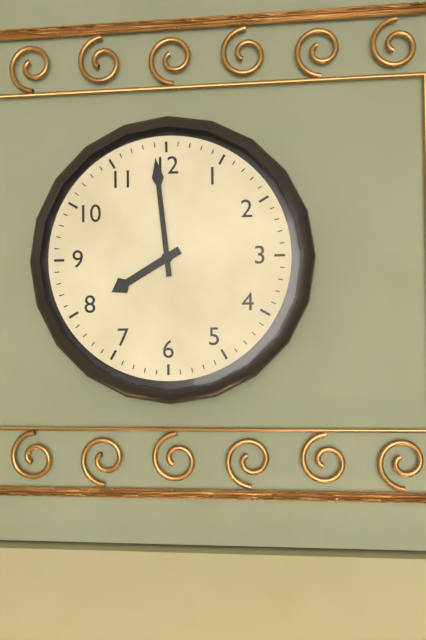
7:59
